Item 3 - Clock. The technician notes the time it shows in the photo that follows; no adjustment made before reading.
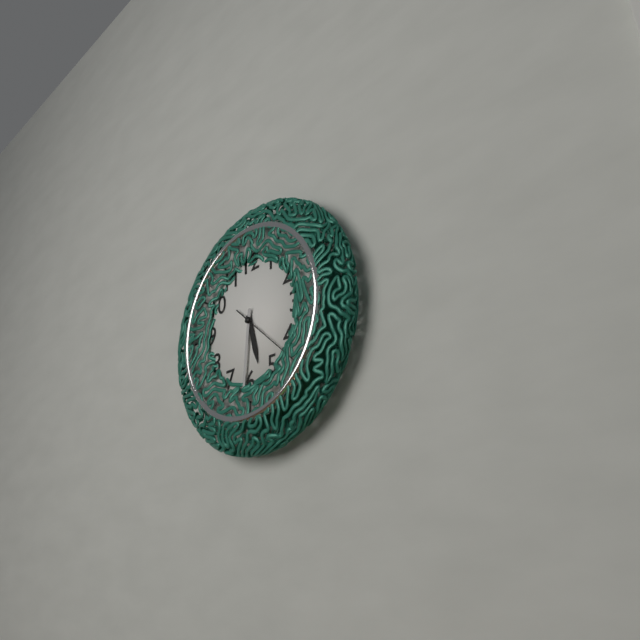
5:31:22
